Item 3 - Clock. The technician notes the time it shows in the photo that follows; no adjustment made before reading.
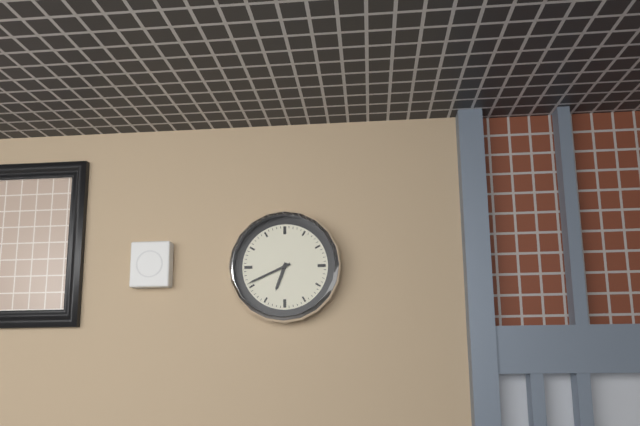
6:41
